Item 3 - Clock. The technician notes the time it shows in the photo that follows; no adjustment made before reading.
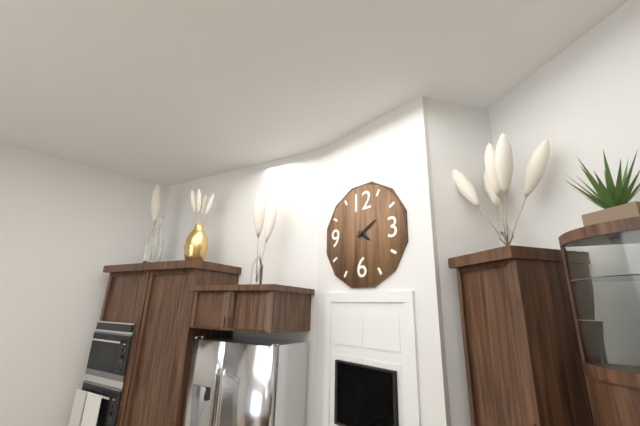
4:10
